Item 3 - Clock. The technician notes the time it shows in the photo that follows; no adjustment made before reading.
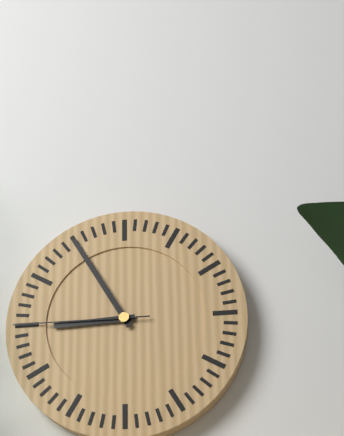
8:55:45
